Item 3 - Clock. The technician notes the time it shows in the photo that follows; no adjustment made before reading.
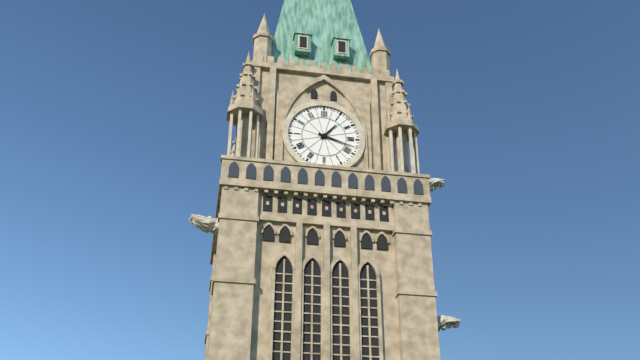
1:18
